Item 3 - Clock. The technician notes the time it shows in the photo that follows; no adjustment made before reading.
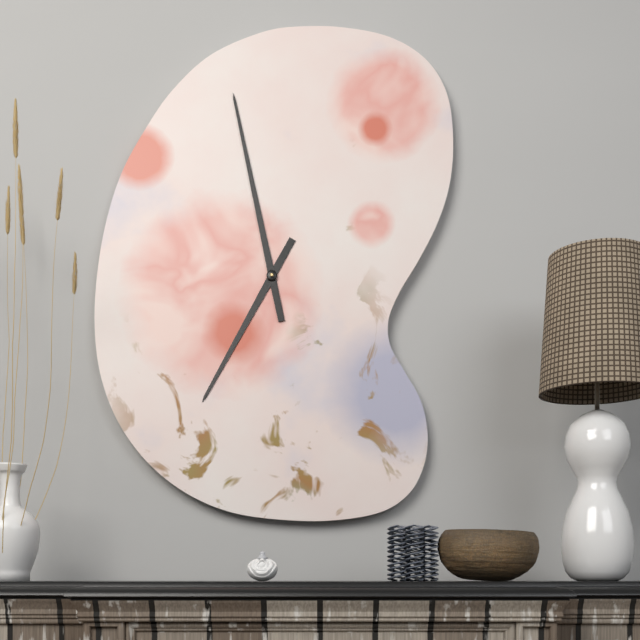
6:58
